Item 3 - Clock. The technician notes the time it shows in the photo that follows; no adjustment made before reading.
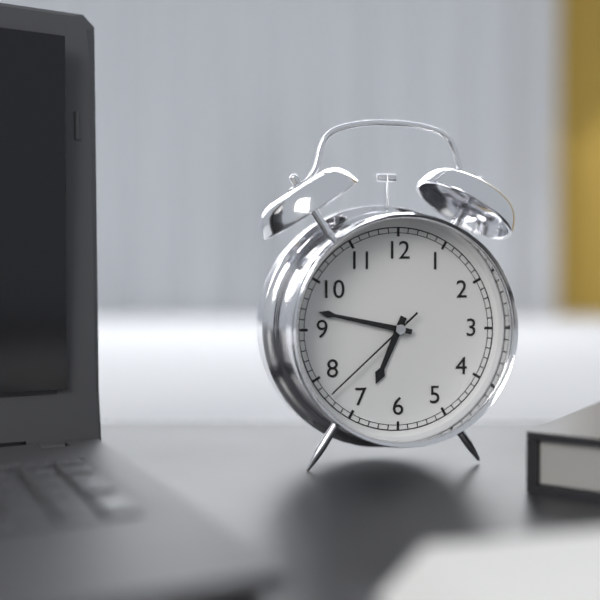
6:47:38
